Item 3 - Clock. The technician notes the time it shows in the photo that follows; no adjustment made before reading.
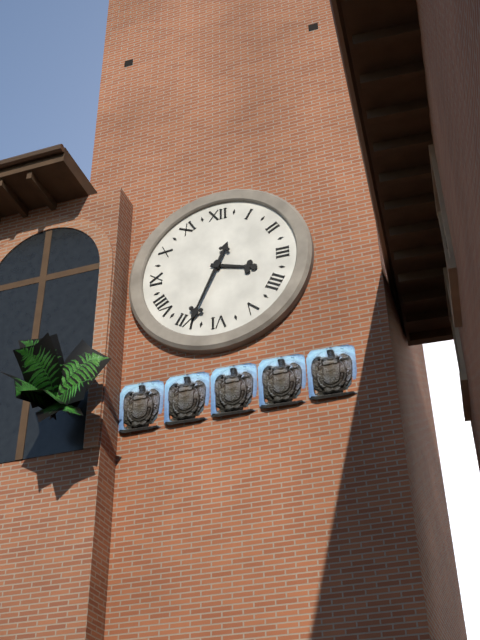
3:34
